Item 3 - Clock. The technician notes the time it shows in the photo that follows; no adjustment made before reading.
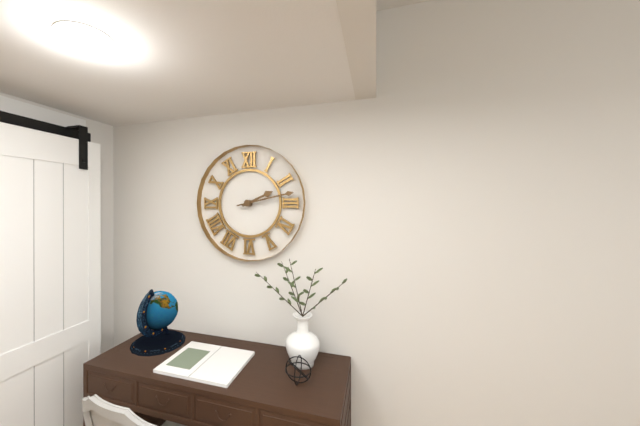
2:13
